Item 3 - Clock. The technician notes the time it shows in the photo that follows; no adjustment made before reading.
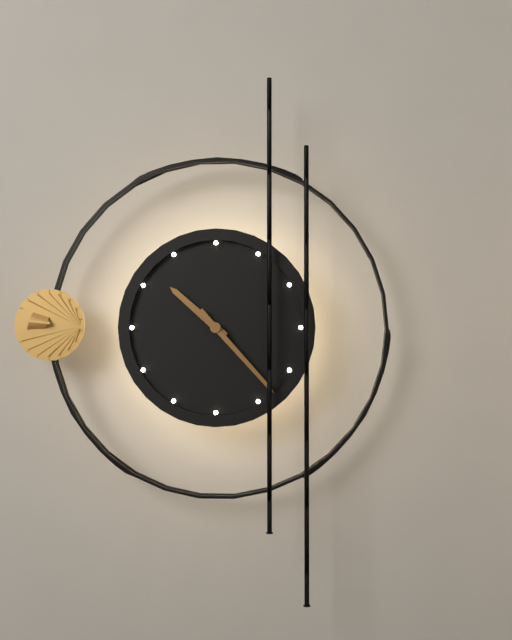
10:23
